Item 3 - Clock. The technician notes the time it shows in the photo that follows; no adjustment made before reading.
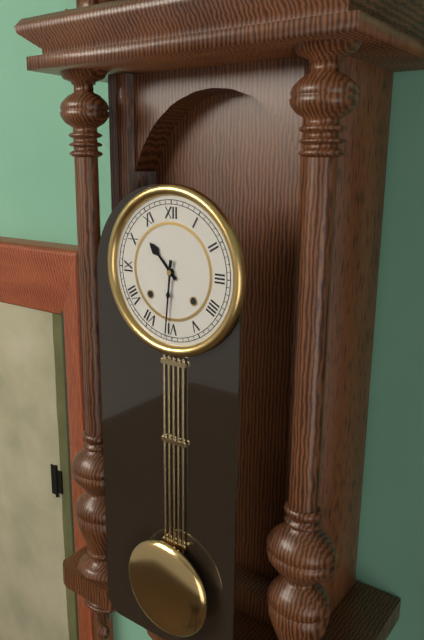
10:31
